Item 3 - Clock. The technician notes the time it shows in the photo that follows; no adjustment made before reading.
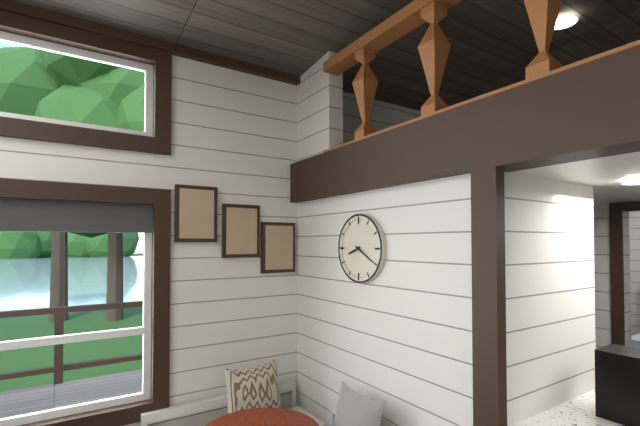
8:20
